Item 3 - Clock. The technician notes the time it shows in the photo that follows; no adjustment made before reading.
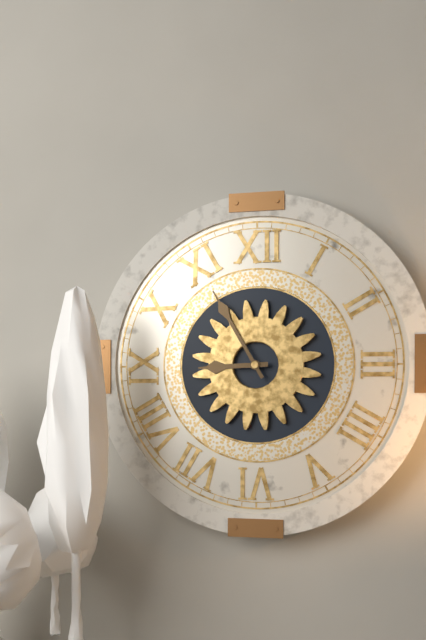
8:55
